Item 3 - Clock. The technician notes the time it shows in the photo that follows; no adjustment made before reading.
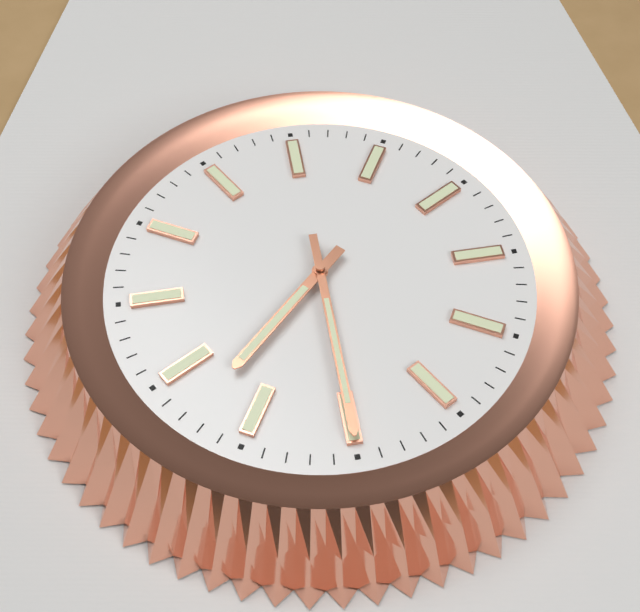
7:30
